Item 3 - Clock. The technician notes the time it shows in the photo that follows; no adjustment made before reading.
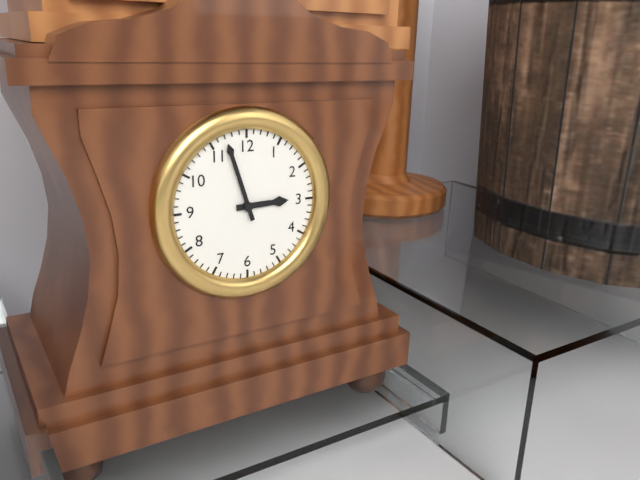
2:57
